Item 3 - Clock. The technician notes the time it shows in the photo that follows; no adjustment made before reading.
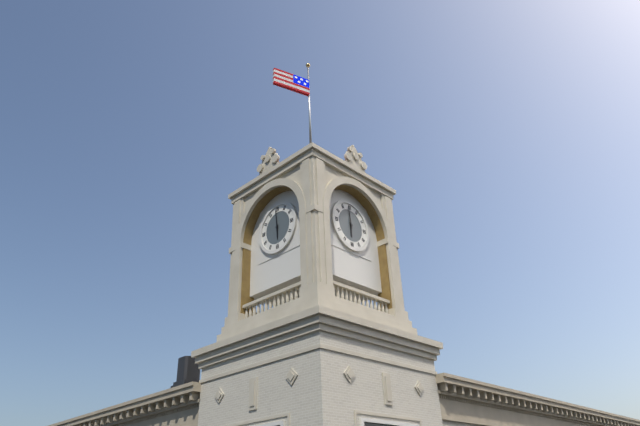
5:59
